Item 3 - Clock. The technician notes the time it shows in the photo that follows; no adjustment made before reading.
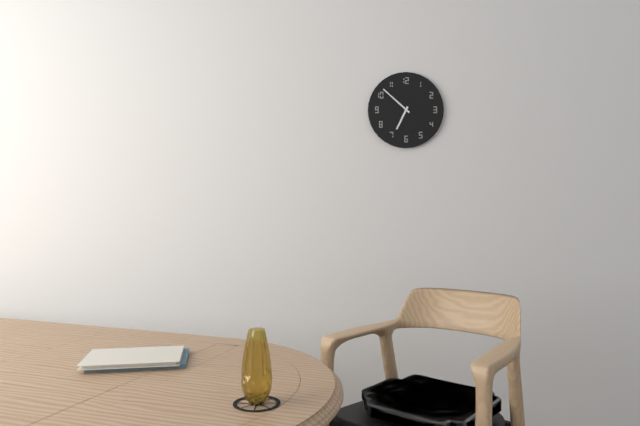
6:52
